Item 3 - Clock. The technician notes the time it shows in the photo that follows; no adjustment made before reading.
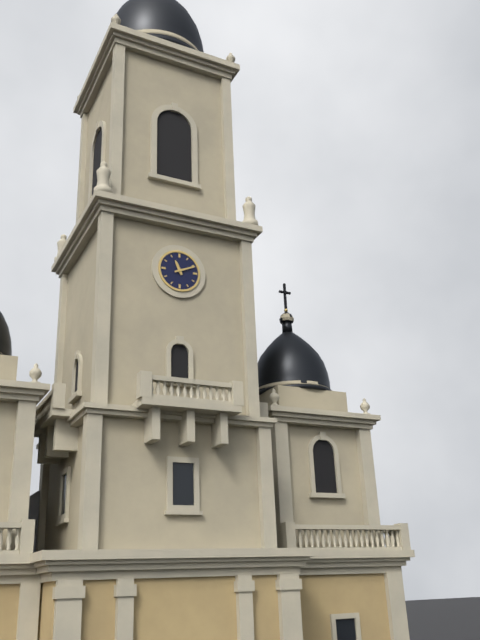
11:11
